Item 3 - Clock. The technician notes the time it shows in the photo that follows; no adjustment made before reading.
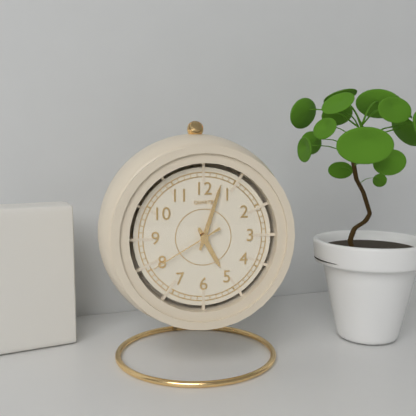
5:03:40
